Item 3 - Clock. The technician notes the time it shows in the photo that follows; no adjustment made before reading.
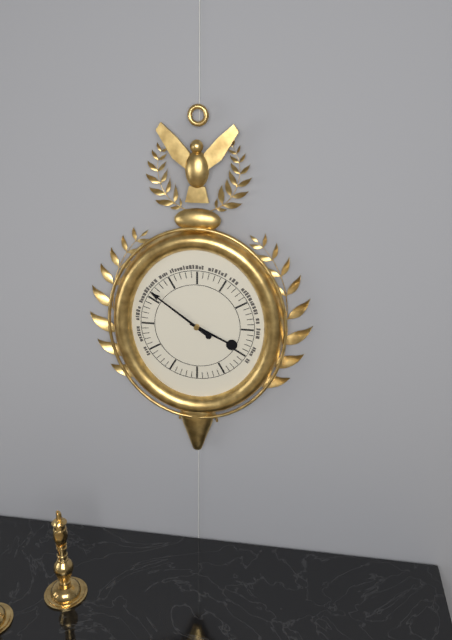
3:51
